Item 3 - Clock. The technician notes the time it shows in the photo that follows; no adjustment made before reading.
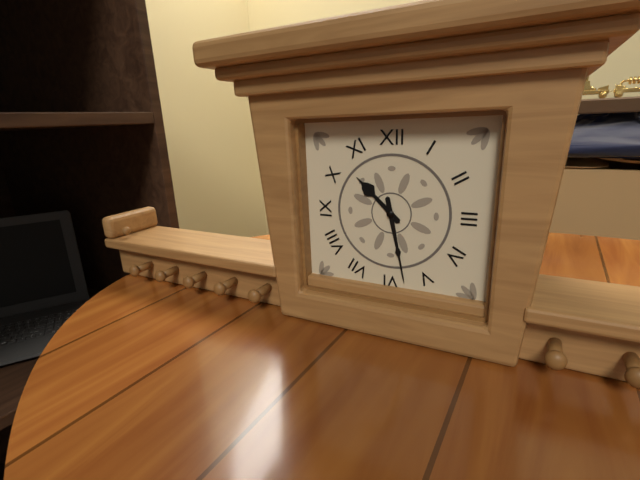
10:28
